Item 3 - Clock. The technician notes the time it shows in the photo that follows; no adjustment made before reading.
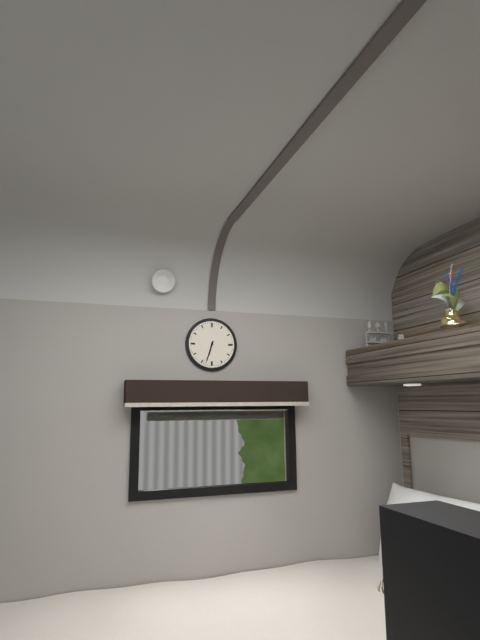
6:33
